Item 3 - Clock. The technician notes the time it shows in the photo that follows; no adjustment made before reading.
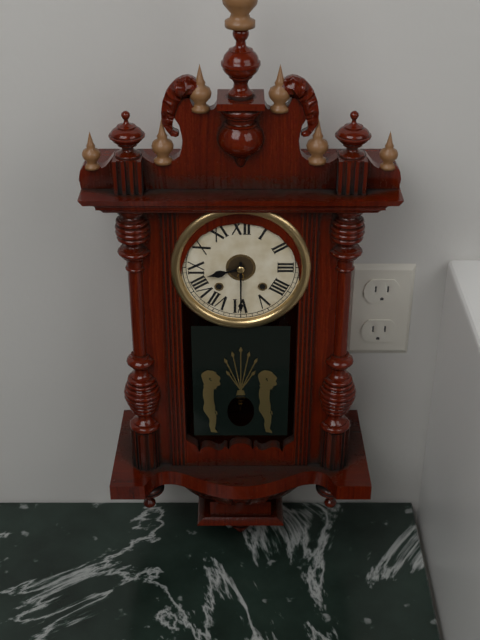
8:30
